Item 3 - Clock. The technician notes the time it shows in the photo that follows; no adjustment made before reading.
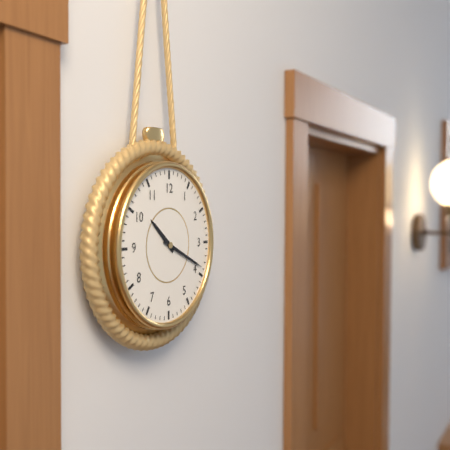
10:19
